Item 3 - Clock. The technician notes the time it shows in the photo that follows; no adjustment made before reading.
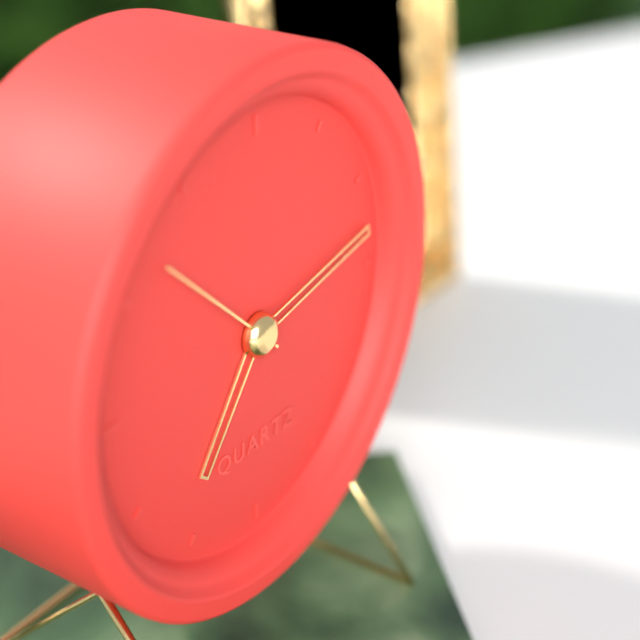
7:13:52
